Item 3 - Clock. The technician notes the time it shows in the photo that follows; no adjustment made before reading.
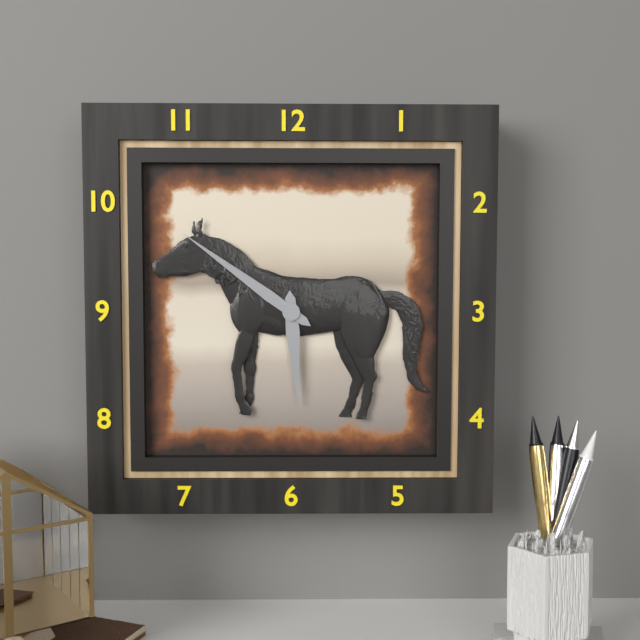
5:51
